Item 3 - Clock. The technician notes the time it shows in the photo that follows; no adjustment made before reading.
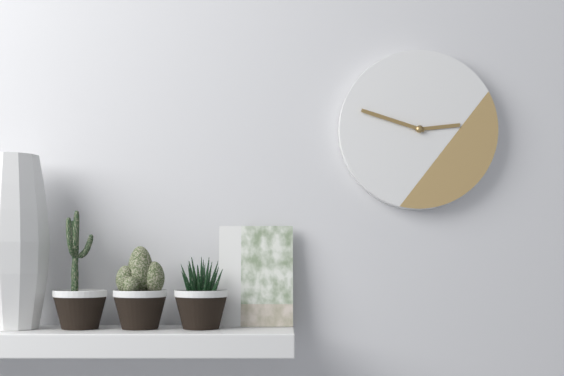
2:48
